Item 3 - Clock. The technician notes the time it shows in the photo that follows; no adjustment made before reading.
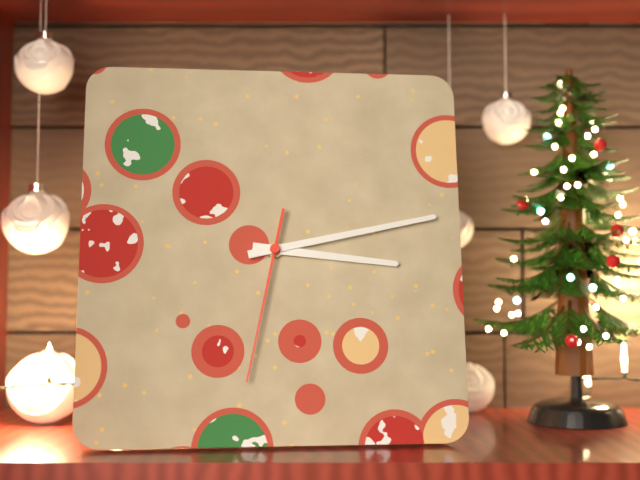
3:13:32
